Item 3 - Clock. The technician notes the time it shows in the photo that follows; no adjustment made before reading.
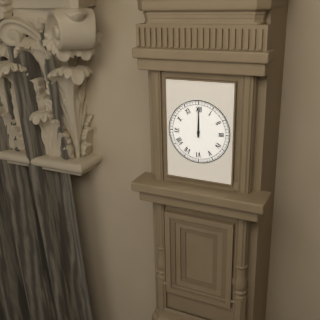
12:00
